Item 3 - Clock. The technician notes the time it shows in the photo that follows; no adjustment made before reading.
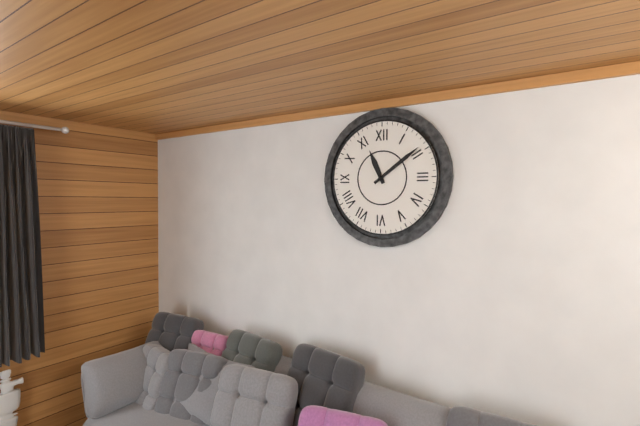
11:09
